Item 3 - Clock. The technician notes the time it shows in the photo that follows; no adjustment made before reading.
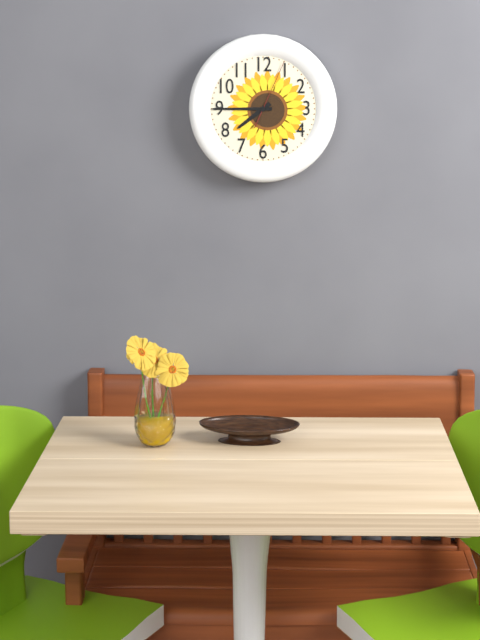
7:45:04
